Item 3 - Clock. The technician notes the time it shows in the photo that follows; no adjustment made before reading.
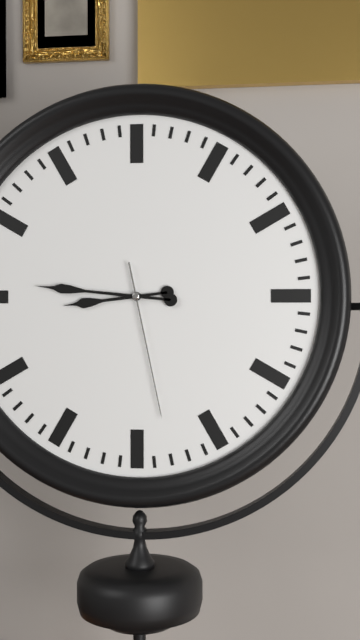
8:46:28
